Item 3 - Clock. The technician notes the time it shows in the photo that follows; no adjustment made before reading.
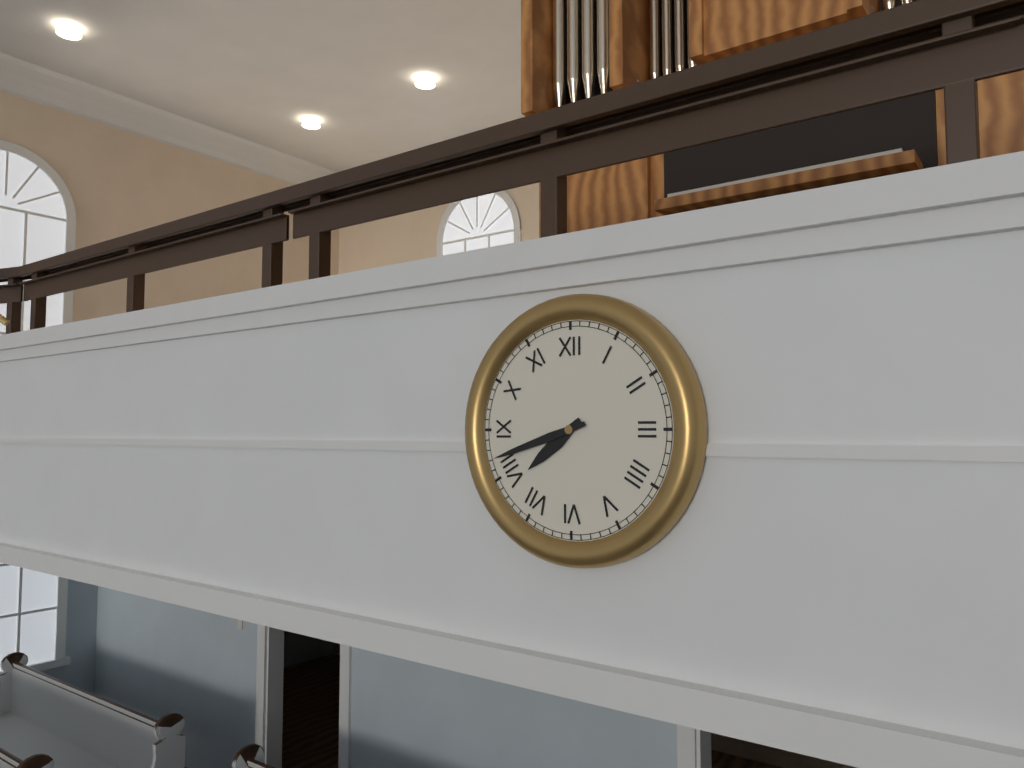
7:42
